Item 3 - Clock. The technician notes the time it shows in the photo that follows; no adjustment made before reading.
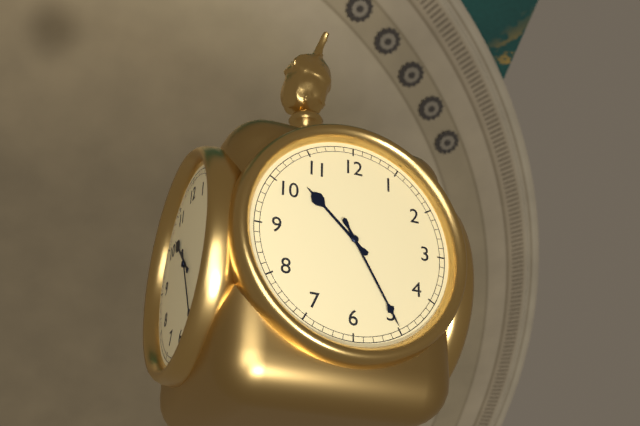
10:25
